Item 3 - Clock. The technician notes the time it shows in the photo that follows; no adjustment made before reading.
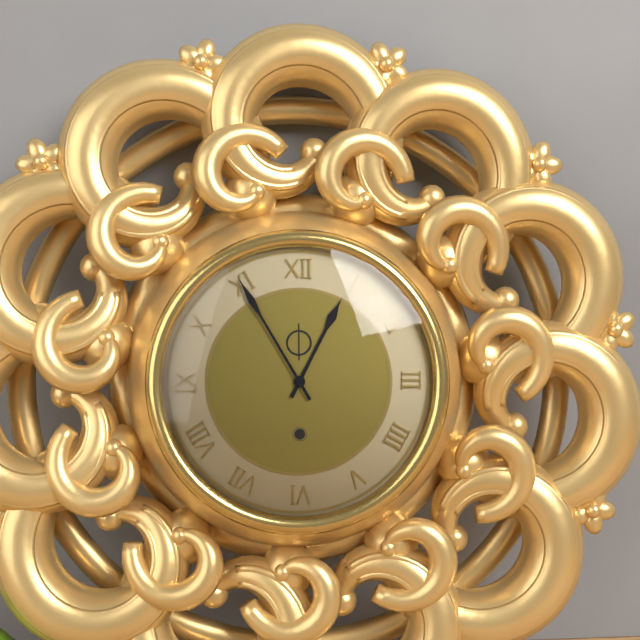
12:55
